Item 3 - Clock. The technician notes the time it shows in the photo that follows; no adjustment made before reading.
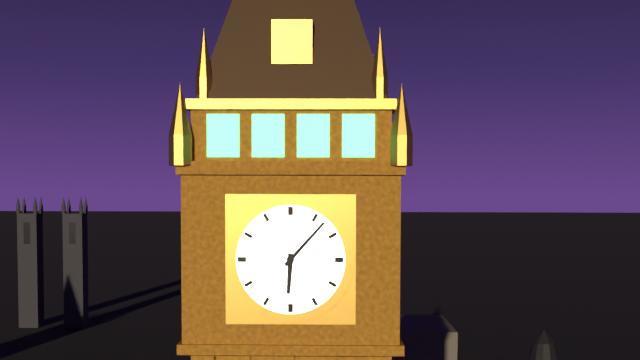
6:07
